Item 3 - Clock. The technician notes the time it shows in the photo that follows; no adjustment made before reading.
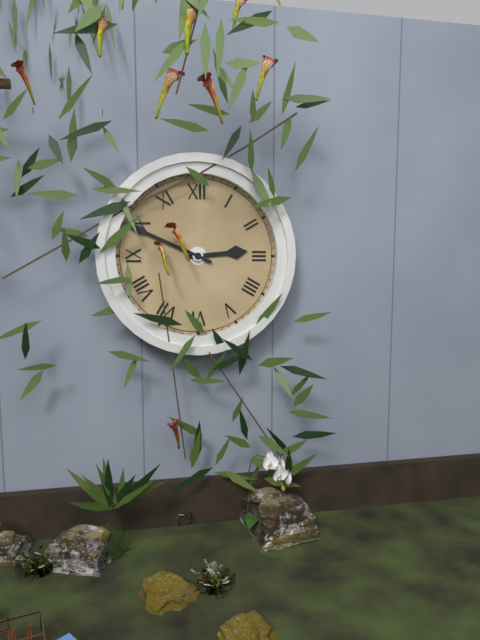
2:49
